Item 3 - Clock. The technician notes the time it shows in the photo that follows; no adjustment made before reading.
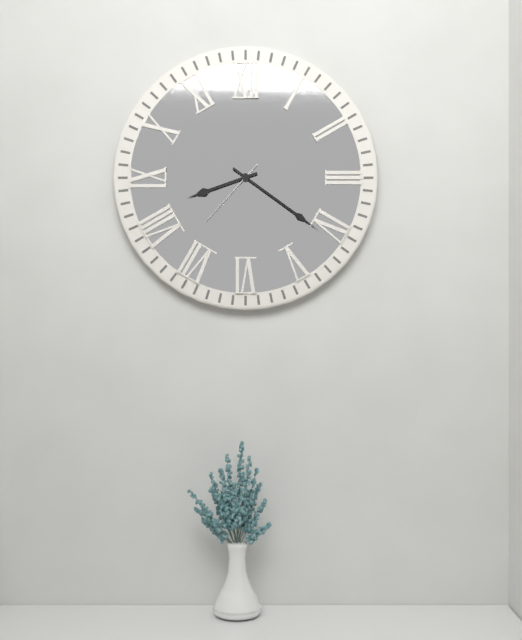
8:21:37
